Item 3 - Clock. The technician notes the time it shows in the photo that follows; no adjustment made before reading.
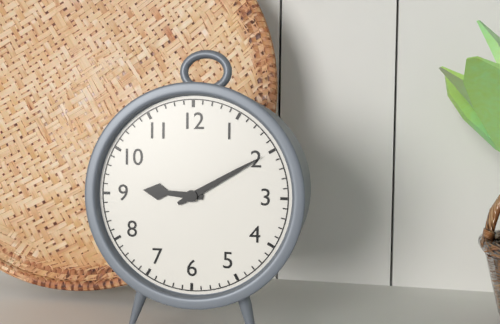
9:10
